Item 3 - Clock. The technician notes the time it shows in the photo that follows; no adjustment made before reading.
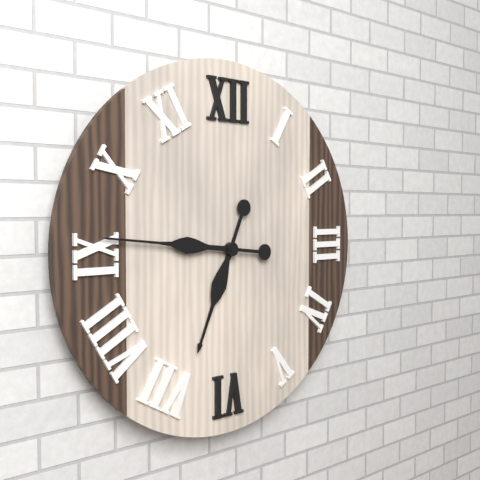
6:46
